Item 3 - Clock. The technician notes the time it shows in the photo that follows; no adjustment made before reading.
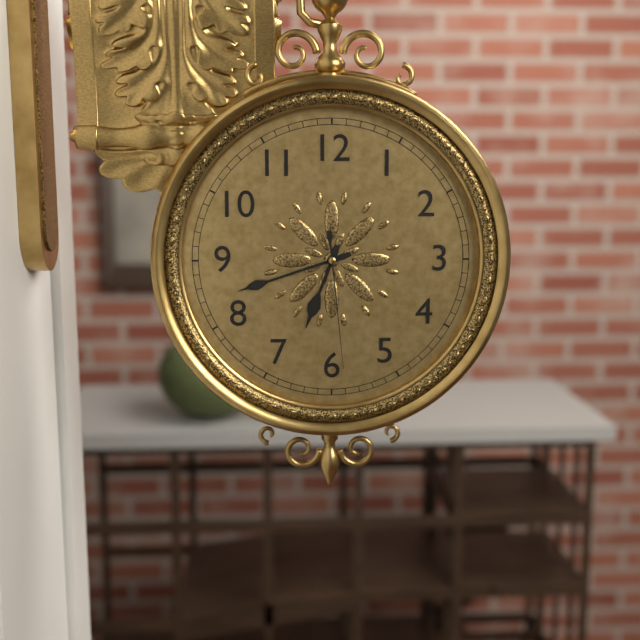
6:42:29
